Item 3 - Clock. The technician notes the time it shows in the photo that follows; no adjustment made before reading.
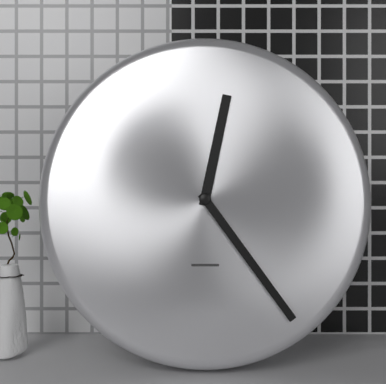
12:24
